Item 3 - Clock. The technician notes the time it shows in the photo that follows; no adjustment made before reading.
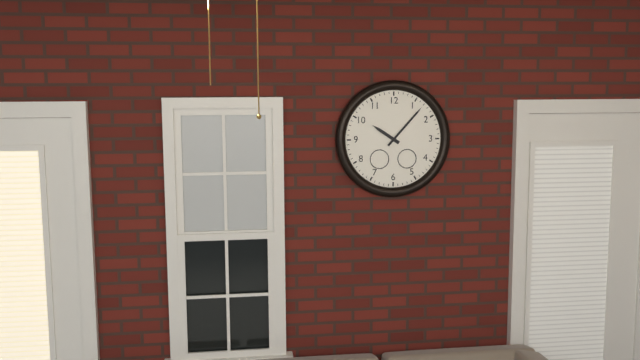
10:07
